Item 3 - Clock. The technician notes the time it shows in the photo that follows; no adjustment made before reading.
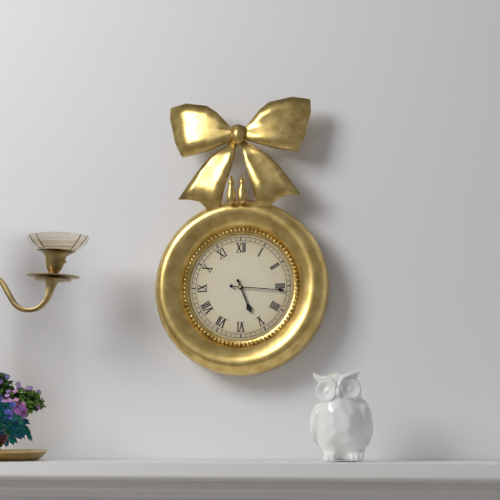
5:16
